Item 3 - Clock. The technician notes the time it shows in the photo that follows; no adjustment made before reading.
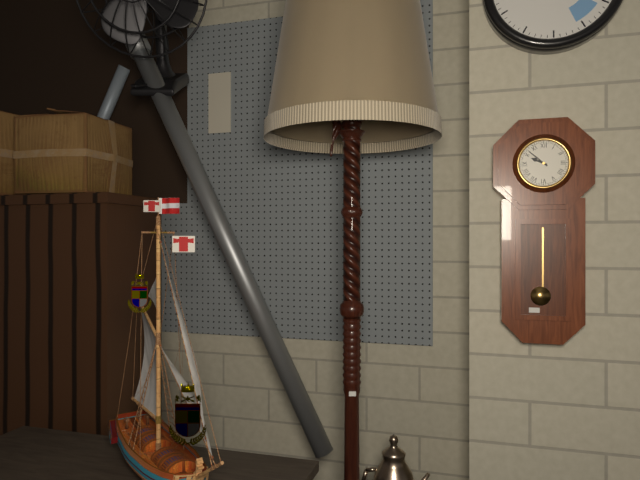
9:52
